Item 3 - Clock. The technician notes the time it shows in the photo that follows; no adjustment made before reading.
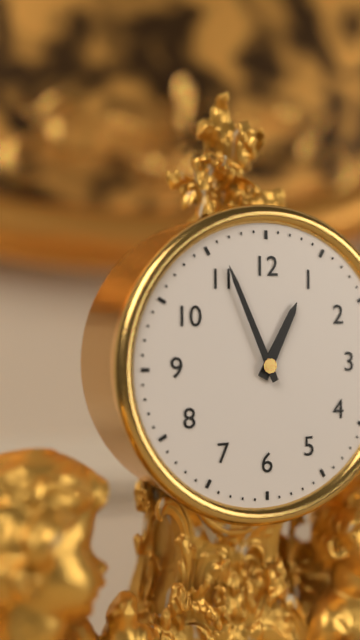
12:56
